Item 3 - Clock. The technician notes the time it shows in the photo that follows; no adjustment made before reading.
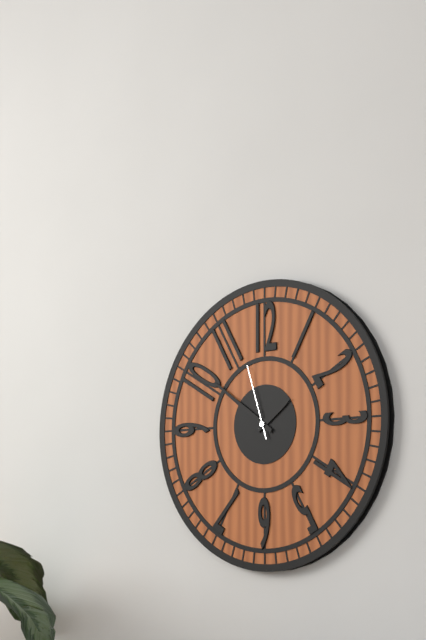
1:51:57
